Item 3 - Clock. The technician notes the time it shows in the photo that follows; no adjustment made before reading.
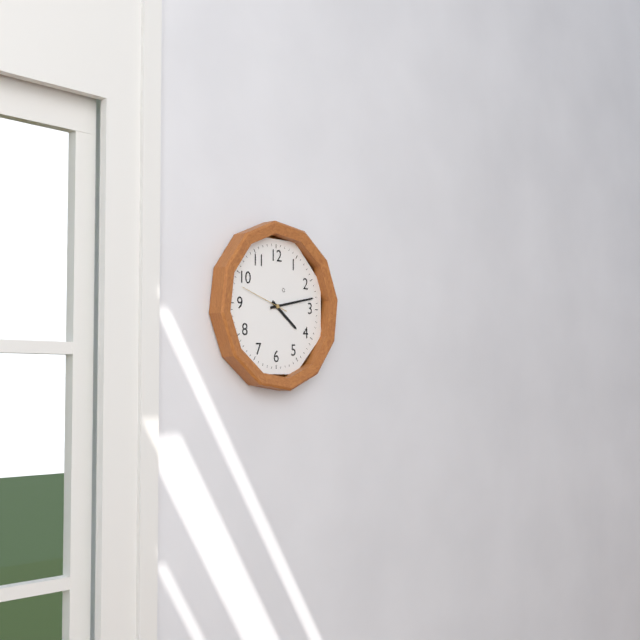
4:13
